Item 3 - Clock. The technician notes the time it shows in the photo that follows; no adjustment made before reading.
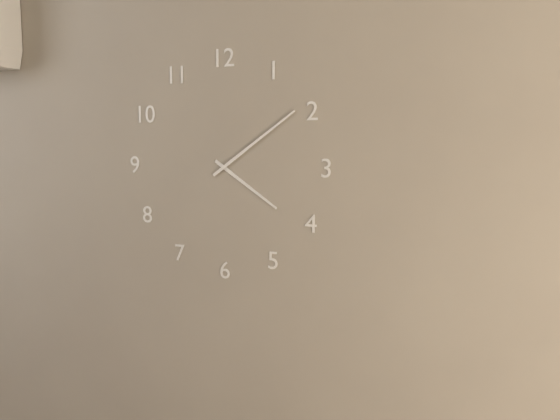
4:09
